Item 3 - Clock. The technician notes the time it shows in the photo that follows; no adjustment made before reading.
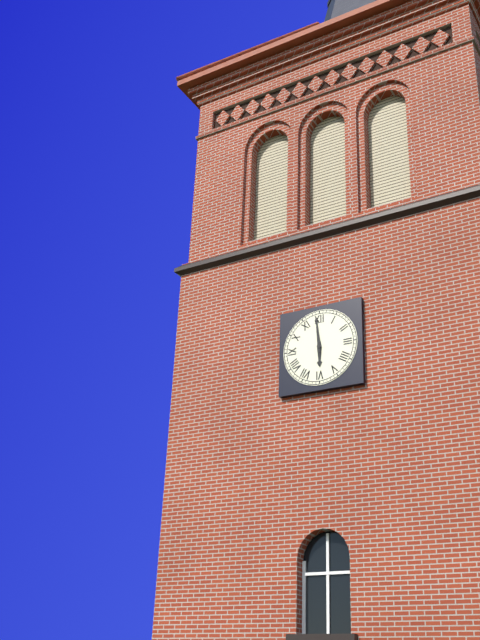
5:59
